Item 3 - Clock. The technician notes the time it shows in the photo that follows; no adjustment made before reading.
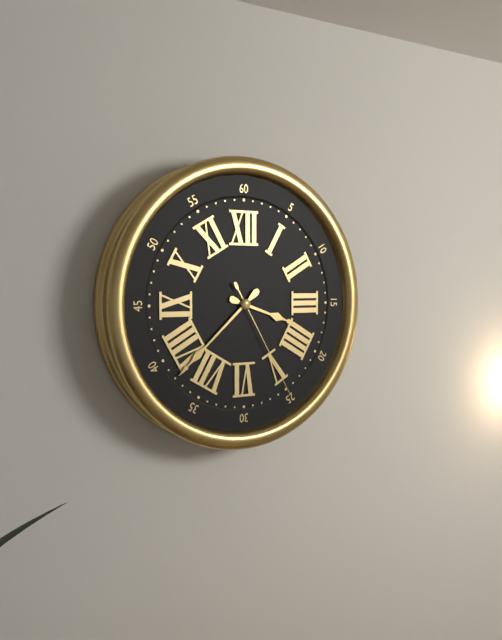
3:38:25
